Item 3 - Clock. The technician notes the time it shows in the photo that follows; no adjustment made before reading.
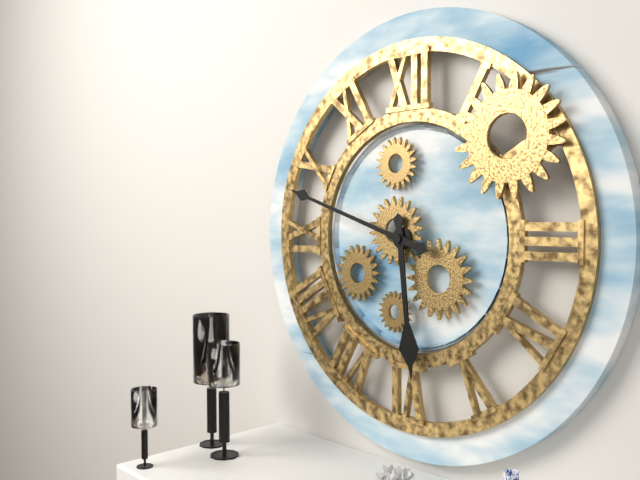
5:48
